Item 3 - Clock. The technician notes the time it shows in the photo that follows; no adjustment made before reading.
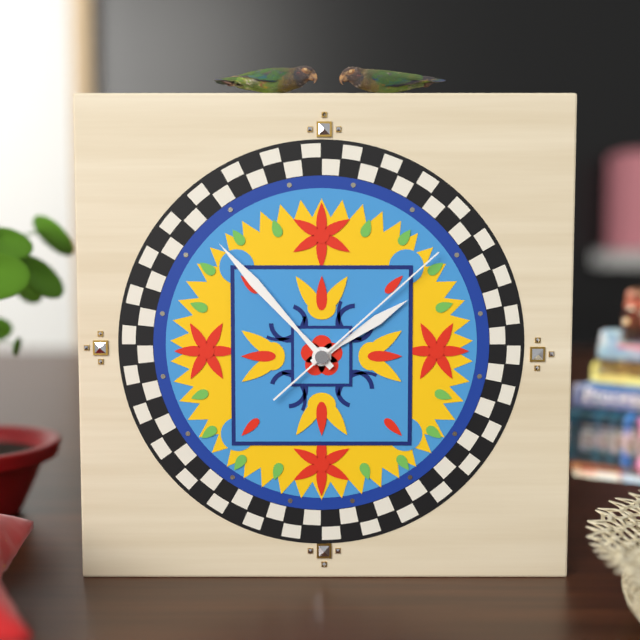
1:53:08
